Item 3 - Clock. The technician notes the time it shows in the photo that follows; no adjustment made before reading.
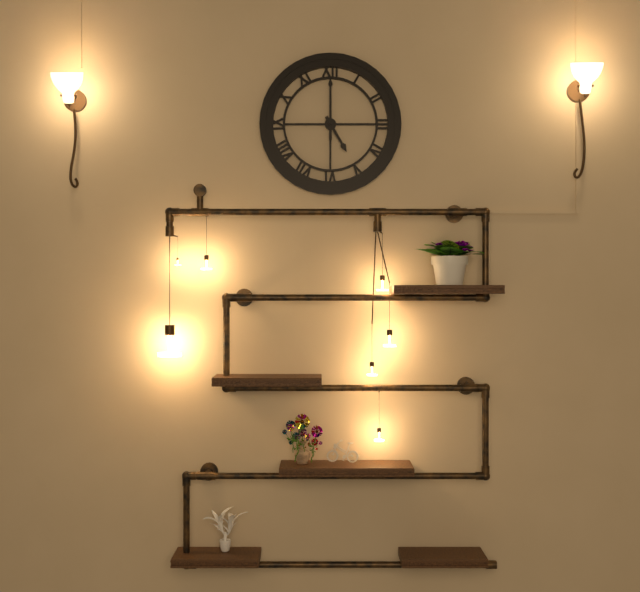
5:00
